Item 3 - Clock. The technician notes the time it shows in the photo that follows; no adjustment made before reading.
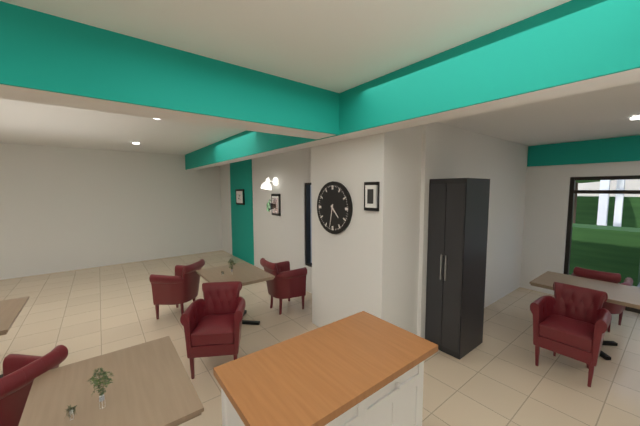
4:32
